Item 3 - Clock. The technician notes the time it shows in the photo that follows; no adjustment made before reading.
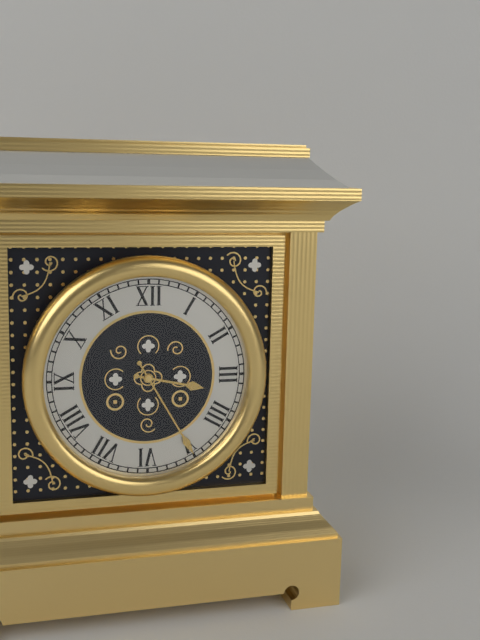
3:25
